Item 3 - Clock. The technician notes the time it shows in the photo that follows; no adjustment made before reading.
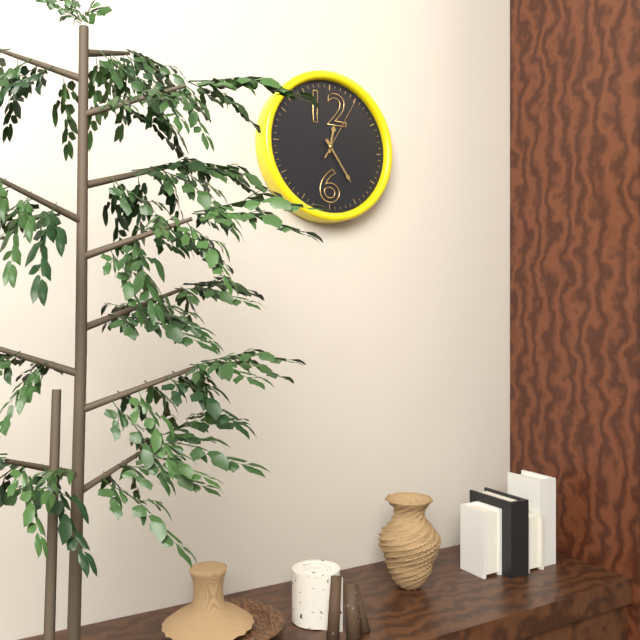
12:24:05
